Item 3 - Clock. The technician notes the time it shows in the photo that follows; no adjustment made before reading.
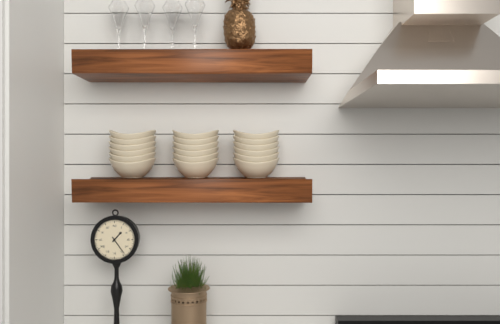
1:24
